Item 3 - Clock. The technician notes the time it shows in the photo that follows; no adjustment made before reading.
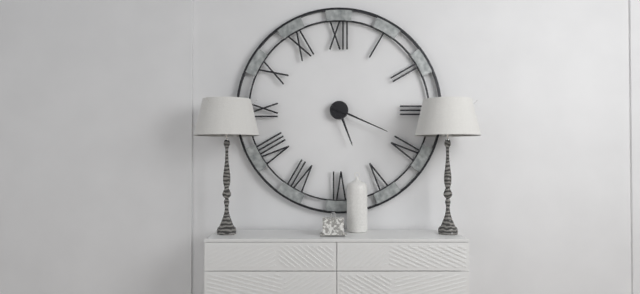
5:19
